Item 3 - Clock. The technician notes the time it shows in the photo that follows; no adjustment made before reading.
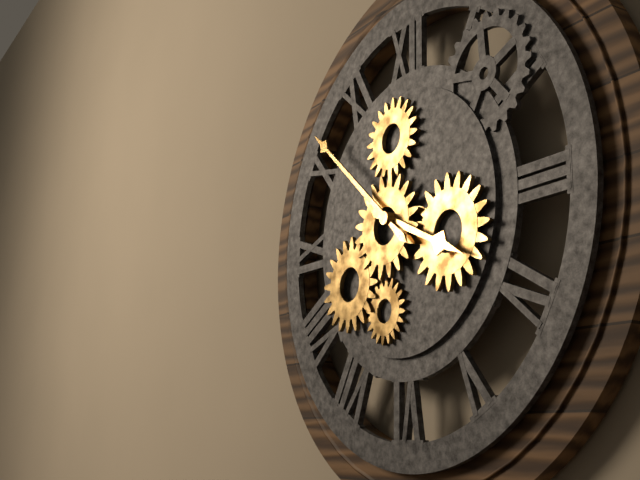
3:52
